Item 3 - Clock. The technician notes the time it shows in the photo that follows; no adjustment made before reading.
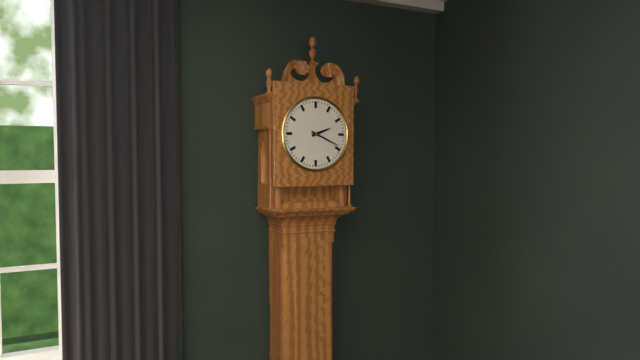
2:19
